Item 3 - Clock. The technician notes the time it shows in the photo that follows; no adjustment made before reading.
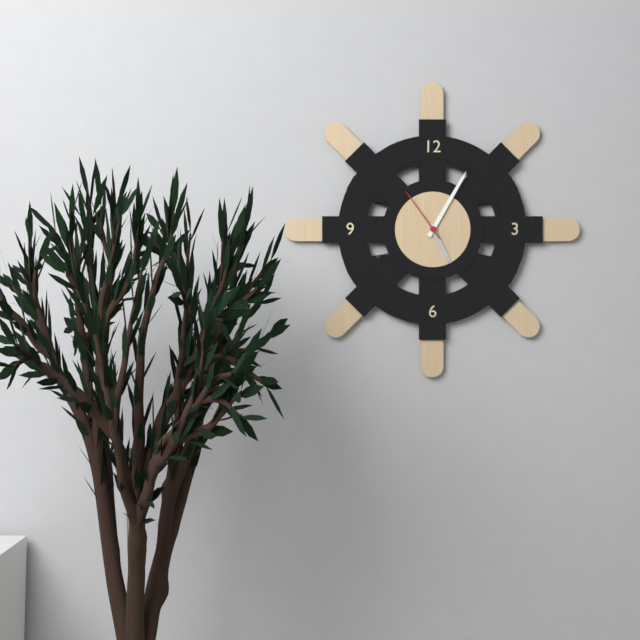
5:05:54
